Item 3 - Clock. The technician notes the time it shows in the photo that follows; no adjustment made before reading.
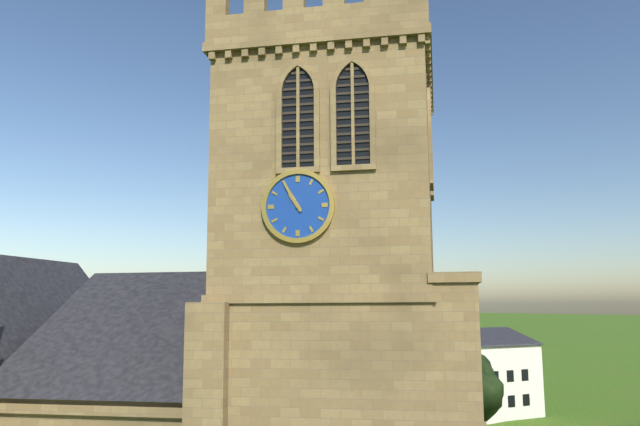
10:55
